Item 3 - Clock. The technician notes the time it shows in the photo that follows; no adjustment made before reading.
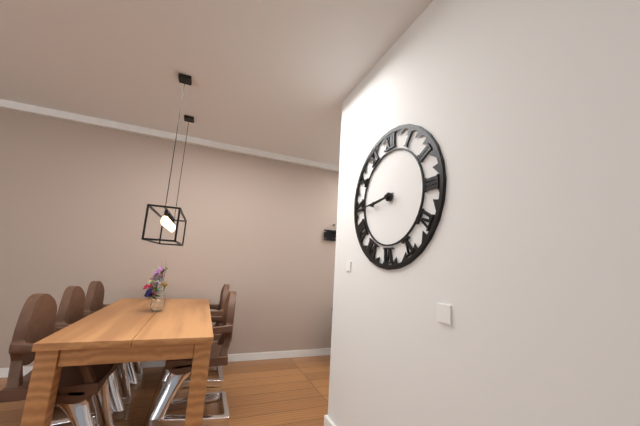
8:44
